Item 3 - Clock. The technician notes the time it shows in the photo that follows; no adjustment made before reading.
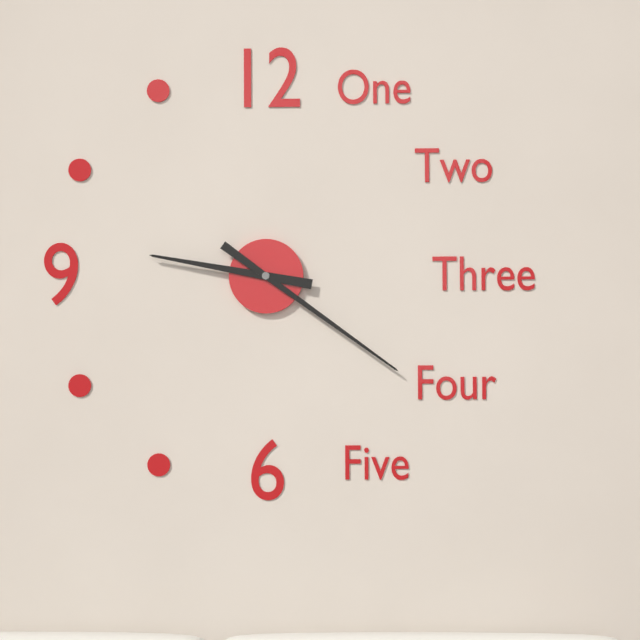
9:21
